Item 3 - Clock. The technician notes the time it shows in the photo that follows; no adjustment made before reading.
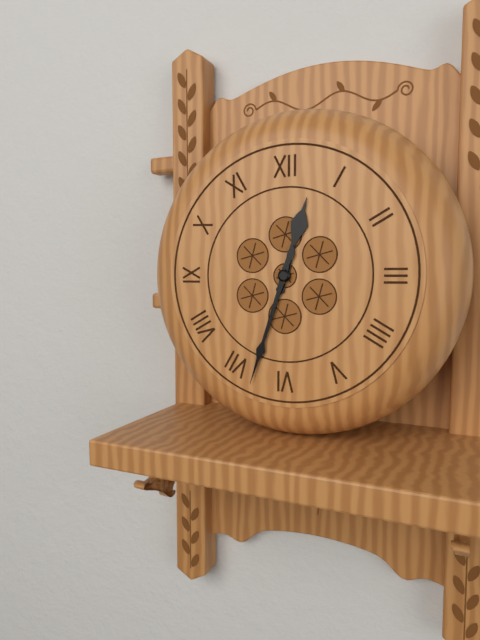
12:33
